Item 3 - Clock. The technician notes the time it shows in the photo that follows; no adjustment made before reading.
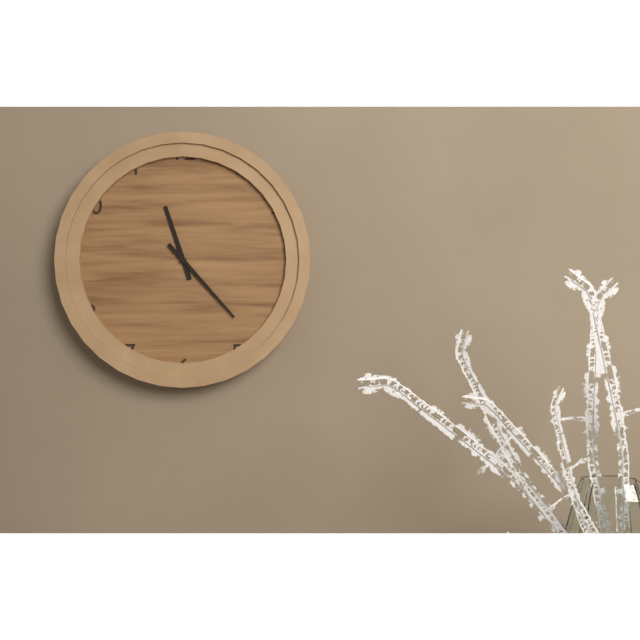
11:23
